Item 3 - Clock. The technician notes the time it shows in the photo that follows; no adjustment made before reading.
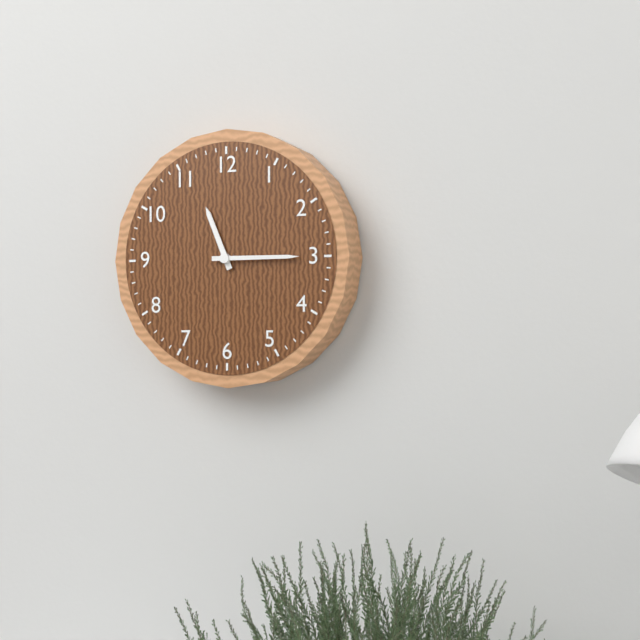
11:15
